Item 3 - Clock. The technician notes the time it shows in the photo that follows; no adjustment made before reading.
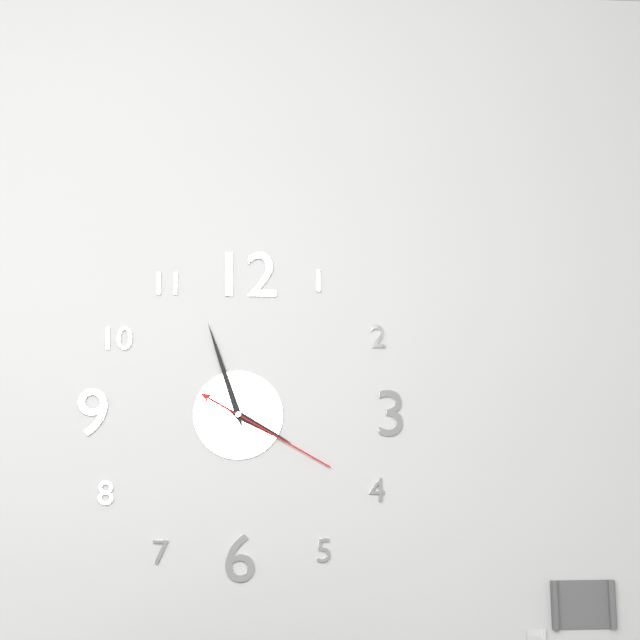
3:57:20
